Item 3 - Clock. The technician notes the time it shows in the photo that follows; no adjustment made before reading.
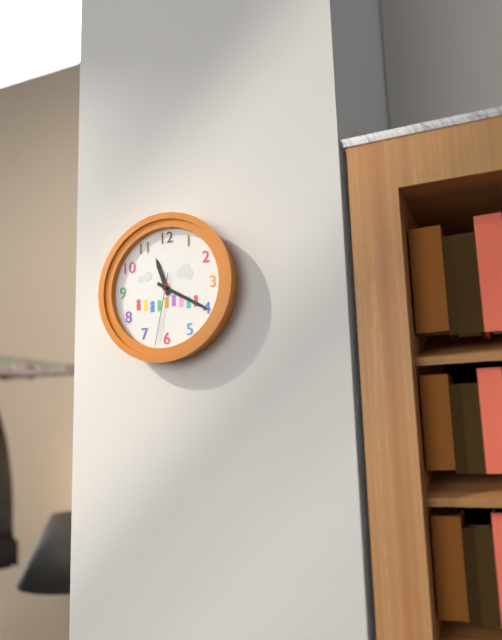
11:20:32
